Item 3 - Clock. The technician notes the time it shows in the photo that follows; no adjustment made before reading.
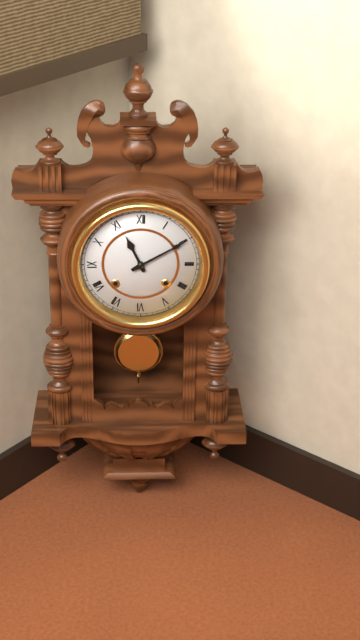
11:10
